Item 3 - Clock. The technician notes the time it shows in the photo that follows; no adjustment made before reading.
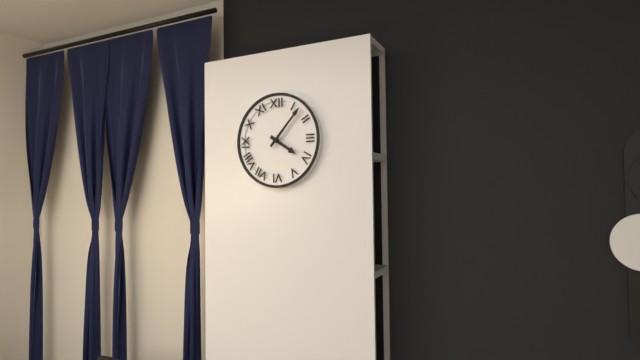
4:07
